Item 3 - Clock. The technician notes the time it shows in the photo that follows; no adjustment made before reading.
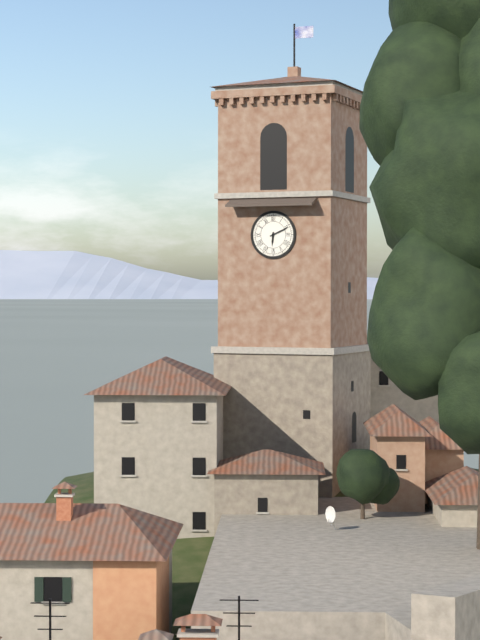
6:11
